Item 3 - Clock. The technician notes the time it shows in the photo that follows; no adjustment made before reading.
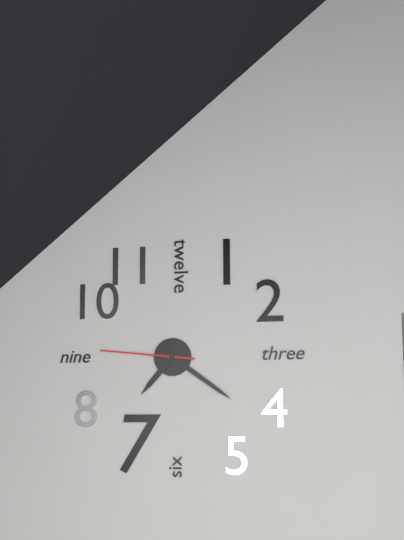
7:21:46
